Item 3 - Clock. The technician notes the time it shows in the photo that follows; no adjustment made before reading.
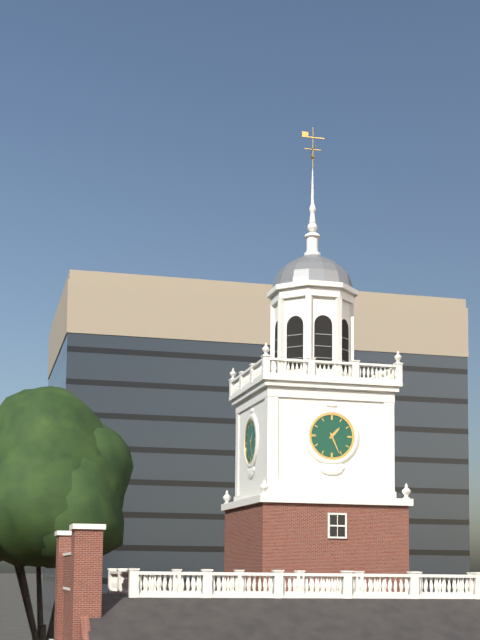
1:26
